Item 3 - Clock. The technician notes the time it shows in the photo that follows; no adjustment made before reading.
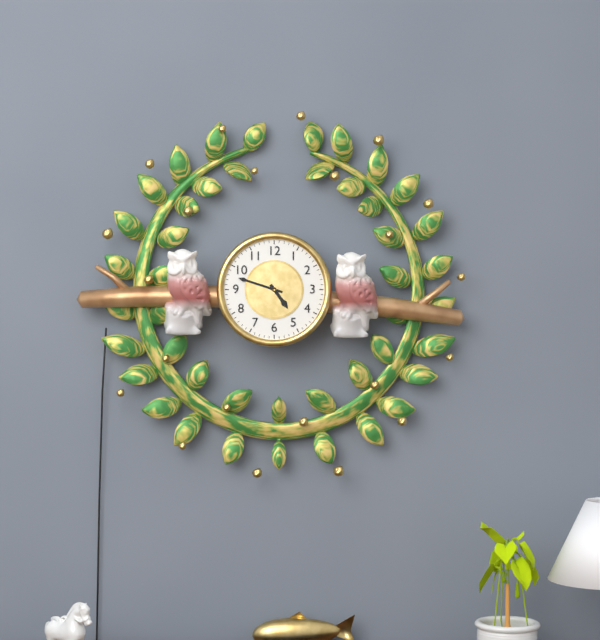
4:48
